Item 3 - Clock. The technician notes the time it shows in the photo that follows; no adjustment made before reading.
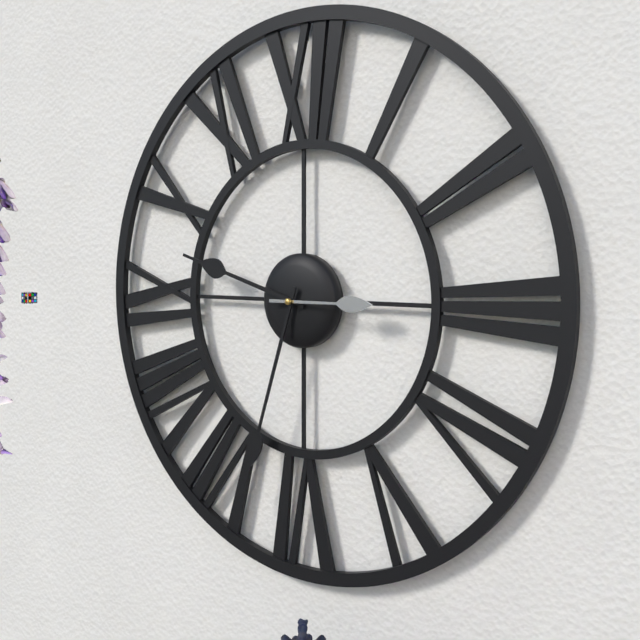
9:33:15
